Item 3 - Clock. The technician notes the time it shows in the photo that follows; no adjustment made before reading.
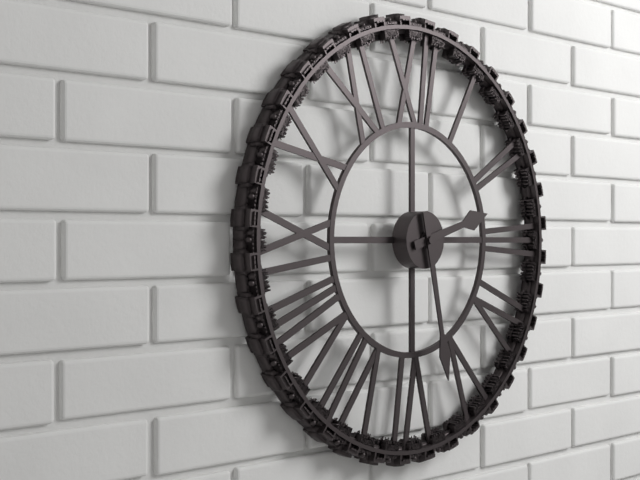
2:28
